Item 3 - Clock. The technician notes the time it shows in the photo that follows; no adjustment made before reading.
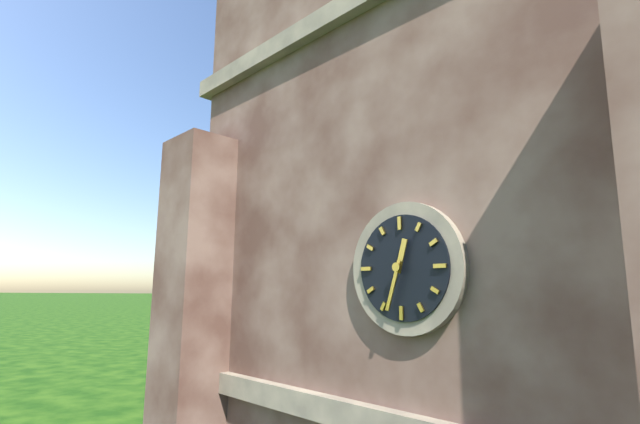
12:33
